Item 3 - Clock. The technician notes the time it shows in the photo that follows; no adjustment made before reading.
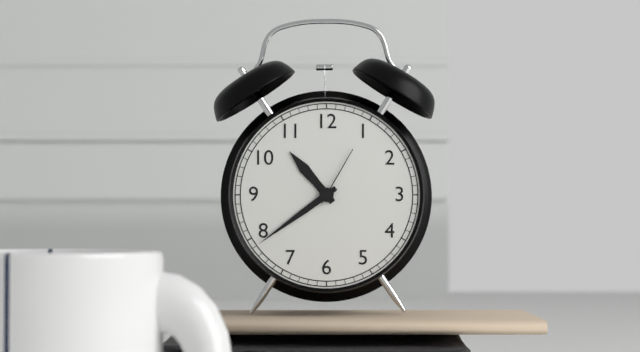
10:39:05
